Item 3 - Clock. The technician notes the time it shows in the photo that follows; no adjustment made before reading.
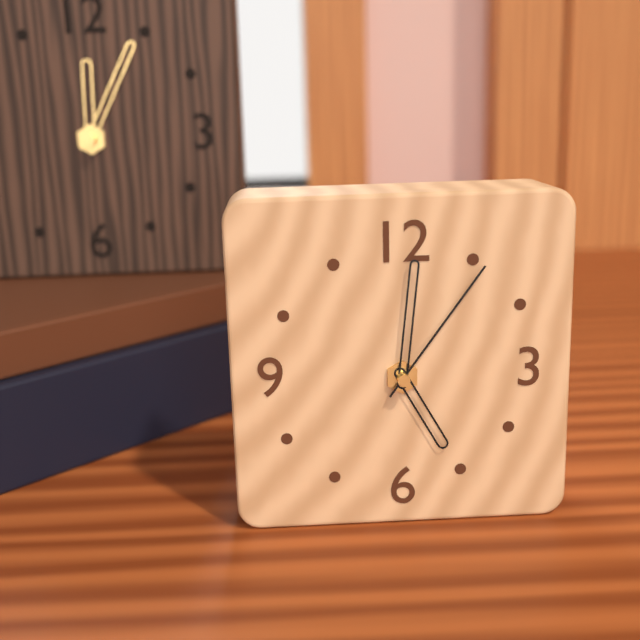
5:01:06
